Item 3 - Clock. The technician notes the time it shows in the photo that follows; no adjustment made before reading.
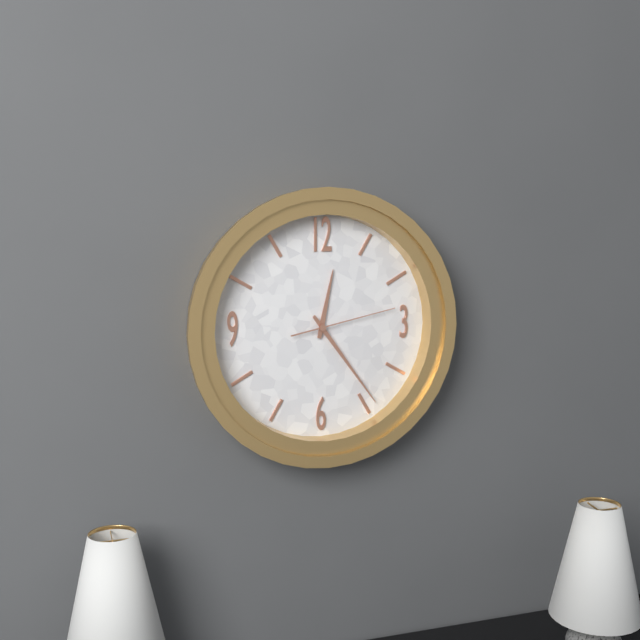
12:24:13
